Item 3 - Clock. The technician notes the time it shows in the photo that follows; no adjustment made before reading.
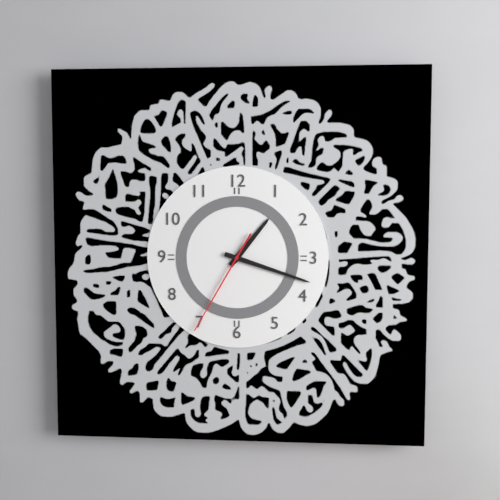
1:18:35
